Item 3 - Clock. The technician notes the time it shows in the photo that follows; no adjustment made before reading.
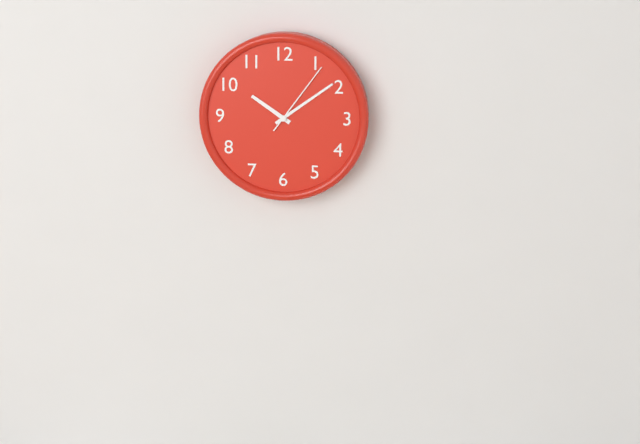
10:09:06
